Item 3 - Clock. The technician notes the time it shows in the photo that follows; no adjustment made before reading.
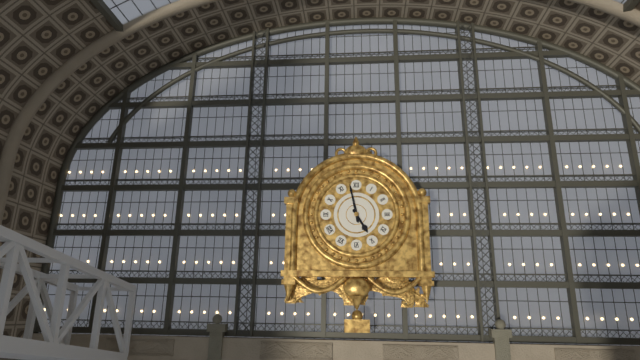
4:58
